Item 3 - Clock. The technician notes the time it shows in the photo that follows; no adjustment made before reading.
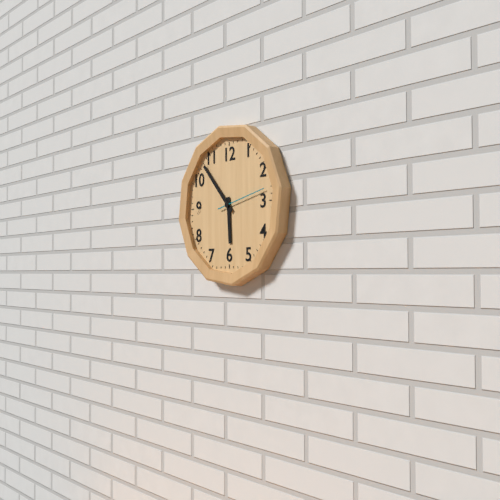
5:53:13
